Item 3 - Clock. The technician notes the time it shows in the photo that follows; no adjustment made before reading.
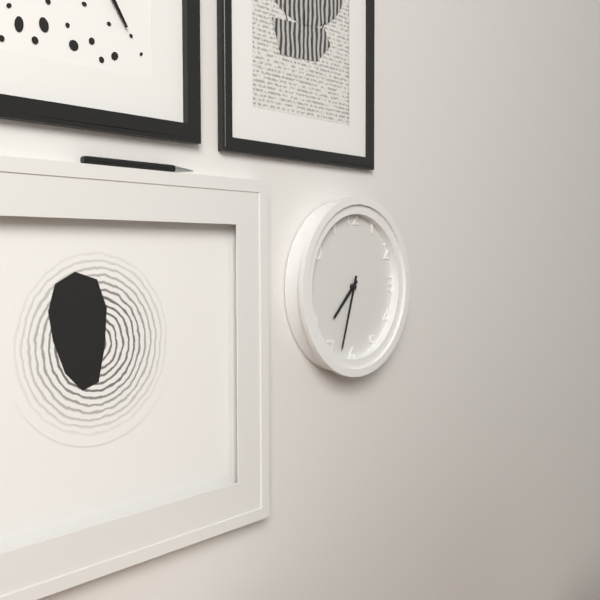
7:33
